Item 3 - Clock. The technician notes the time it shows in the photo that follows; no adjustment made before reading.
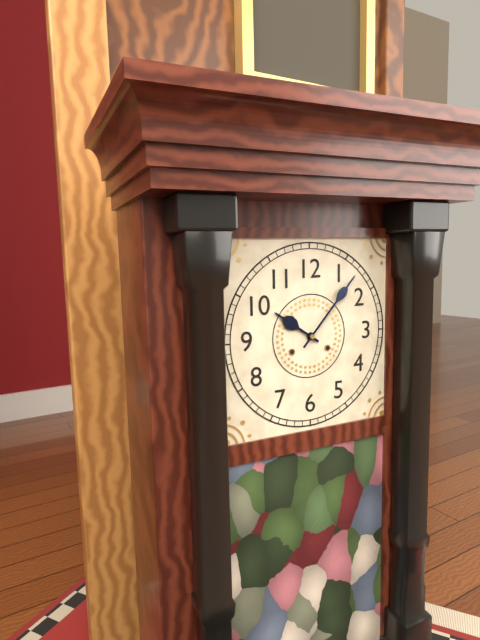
10:07
